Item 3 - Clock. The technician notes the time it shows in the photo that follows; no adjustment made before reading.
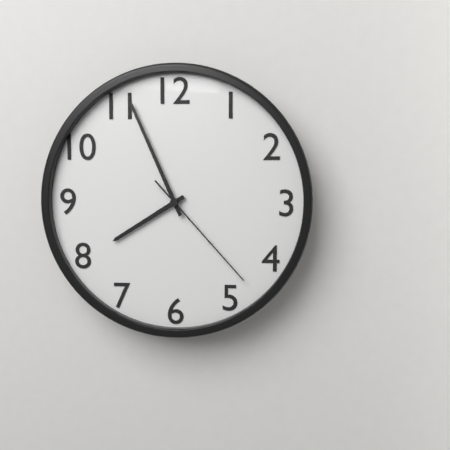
7:56:23
